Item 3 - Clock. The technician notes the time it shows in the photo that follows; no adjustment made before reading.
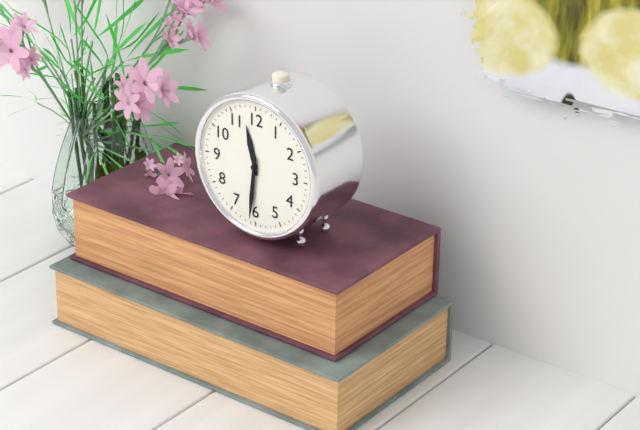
11:31
